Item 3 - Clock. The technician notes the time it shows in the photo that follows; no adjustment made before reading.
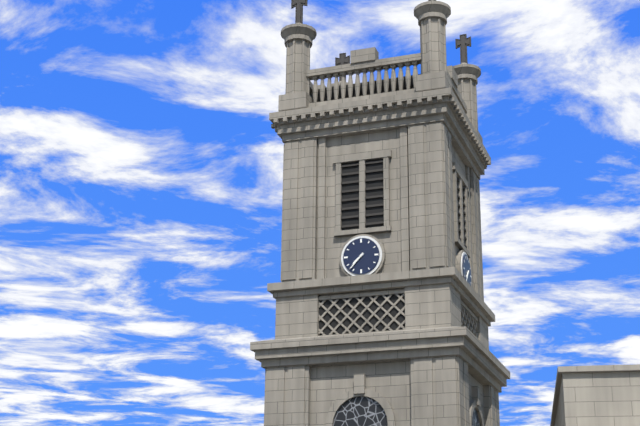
7:37
